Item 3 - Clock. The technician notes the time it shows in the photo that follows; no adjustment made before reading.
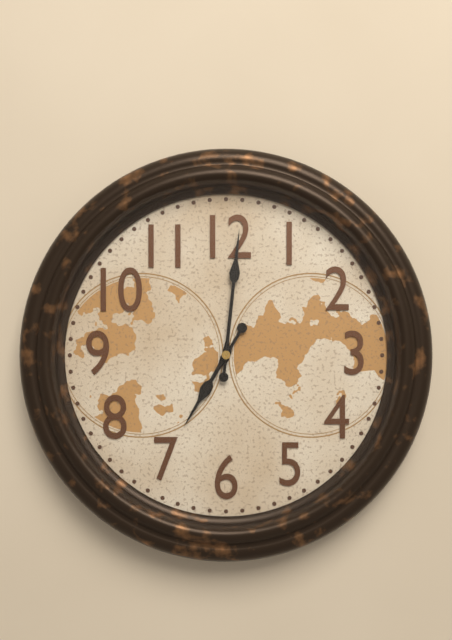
7:01
